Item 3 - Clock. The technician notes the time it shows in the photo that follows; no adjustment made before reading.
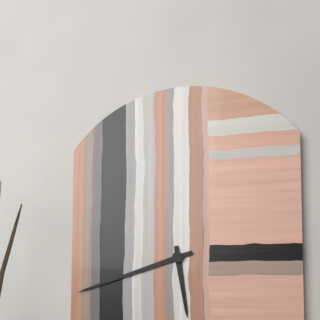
5:42
